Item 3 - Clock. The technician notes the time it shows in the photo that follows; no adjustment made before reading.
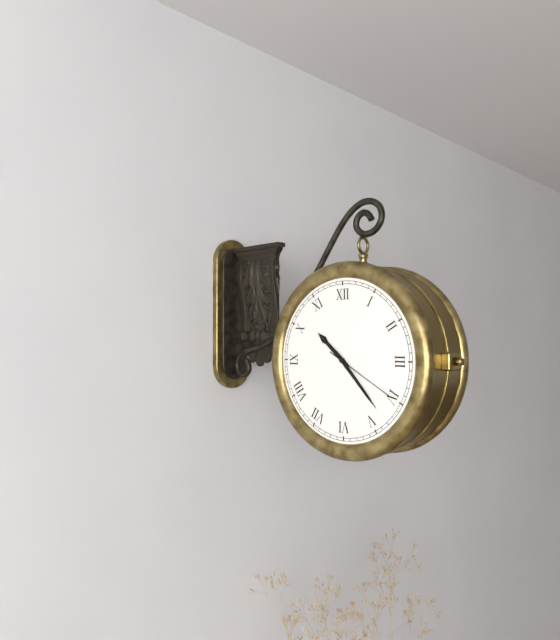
10:23:20
